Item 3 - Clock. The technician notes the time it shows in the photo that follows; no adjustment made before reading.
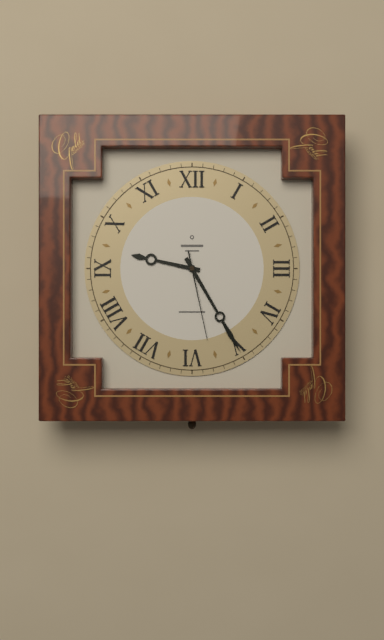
9:25:28
